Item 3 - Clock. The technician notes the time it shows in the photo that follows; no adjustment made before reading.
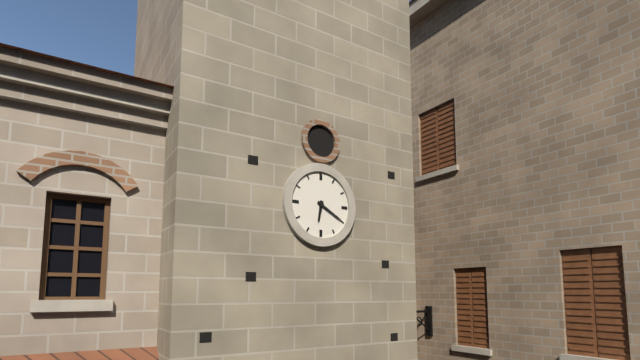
6:20
